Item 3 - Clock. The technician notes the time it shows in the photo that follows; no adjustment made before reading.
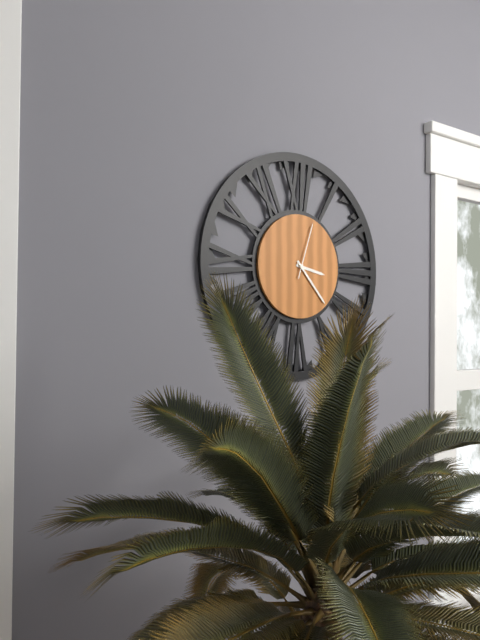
3:23:03
